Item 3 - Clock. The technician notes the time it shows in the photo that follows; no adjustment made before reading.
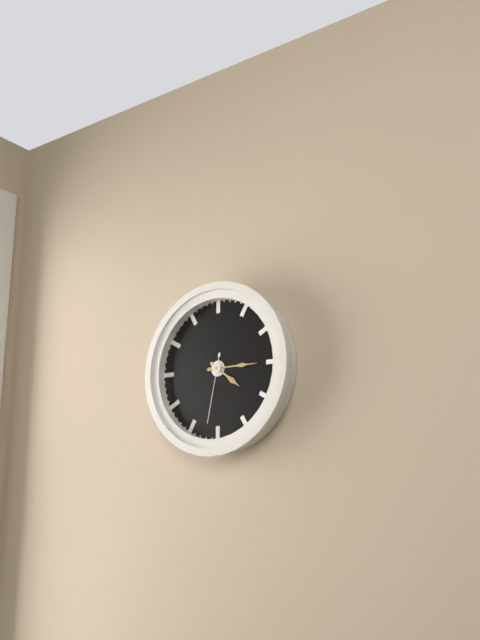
4:15:32
